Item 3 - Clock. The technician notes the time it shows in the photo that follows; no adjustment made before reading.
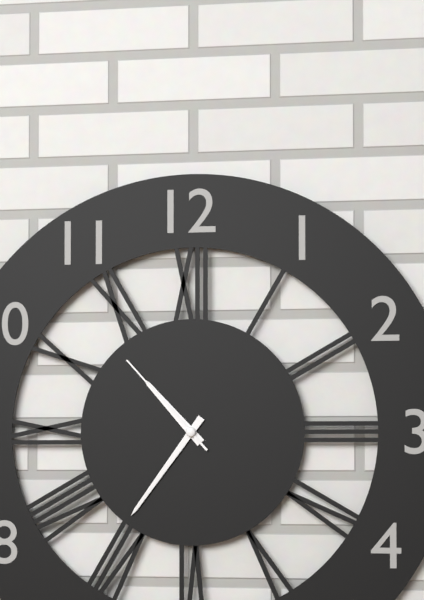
10:36:53
